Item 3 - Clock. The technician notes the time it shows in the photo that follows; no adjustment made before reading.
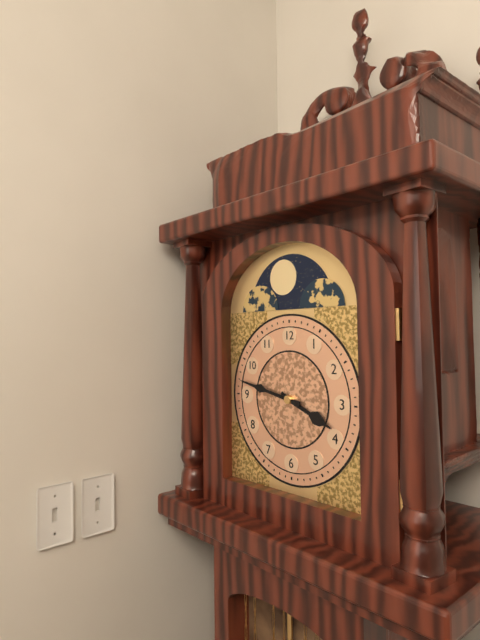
3:47
